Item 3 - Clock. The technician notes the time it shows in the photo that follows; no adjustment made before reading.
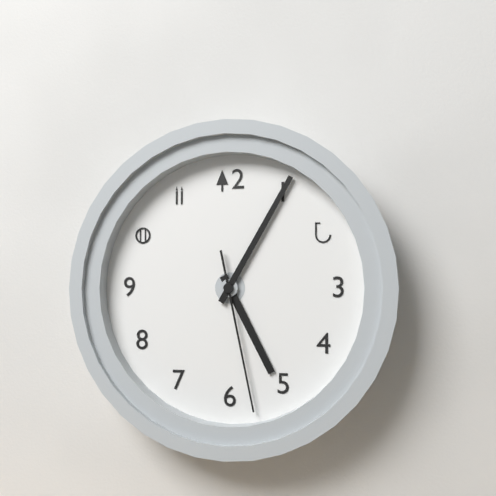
5:05:28
